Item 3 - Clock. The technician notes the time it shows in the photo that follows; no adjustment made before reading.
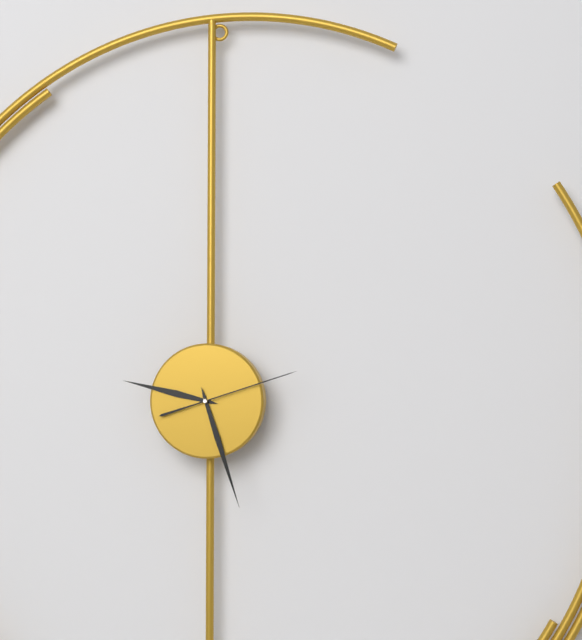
9:27:12
